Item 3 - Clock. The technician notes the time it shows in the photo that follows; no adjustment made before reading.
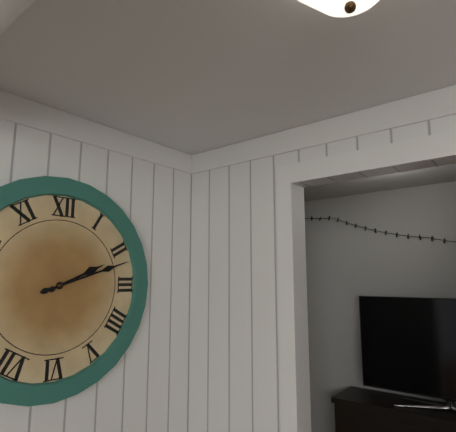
2:12
